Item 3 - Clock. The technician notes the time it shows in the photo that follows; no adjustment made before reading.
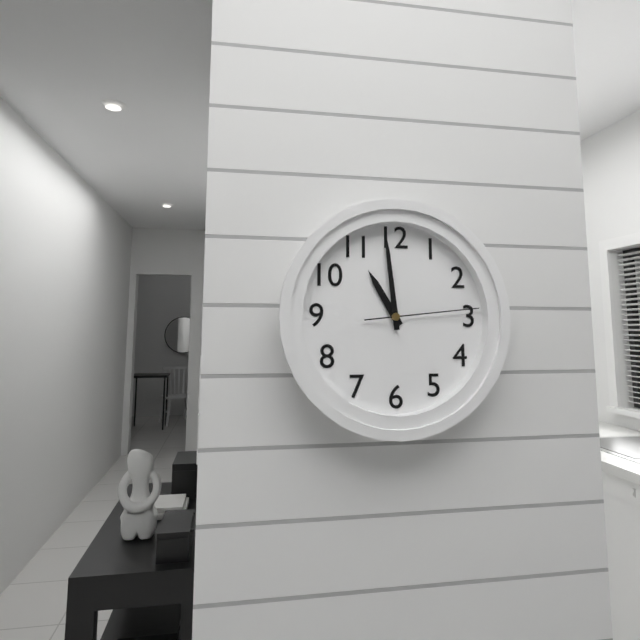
10:59:14
